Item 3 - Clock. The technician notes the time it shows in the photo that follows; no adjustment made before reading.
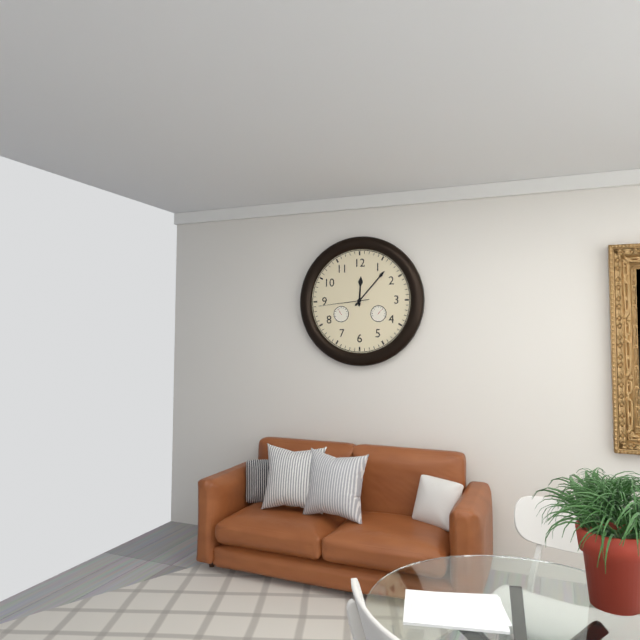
12:07:44
